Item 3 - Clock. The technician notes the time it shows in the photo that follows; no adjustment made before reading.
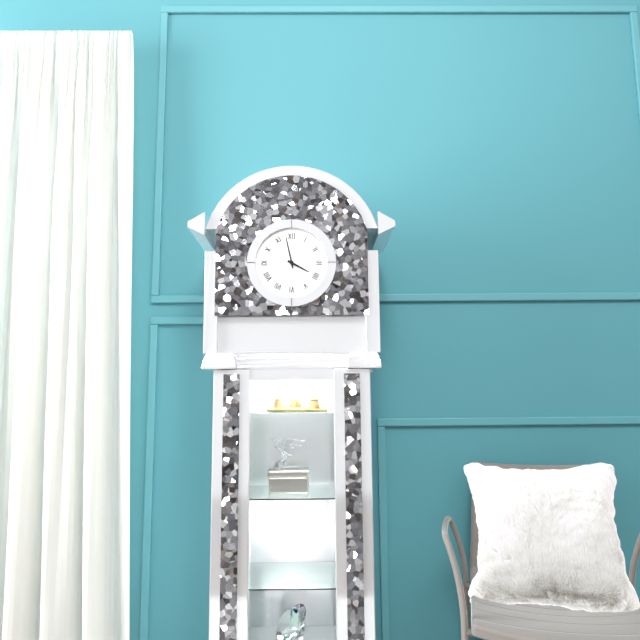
3:58
